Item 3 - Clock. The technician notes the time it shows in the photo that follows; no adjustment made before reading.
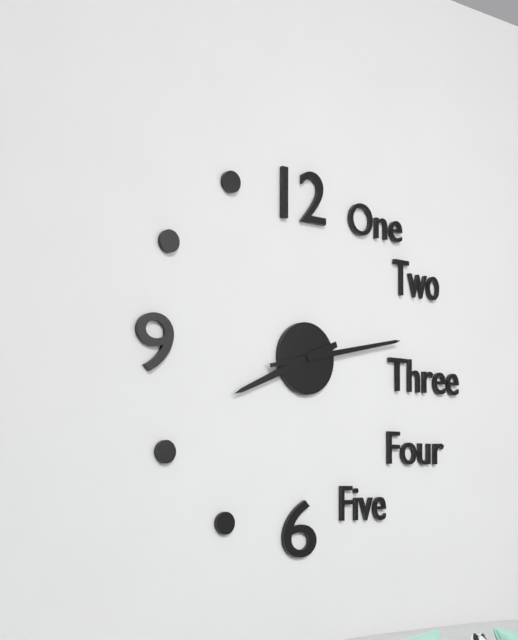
8:13
